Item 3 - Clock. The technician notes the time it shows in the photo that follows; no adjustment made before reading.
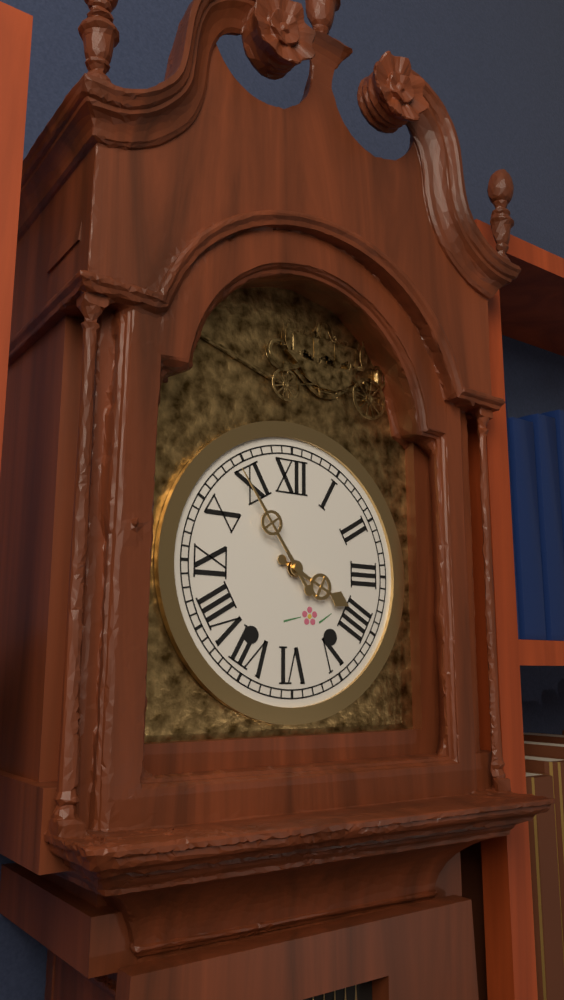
3:54
